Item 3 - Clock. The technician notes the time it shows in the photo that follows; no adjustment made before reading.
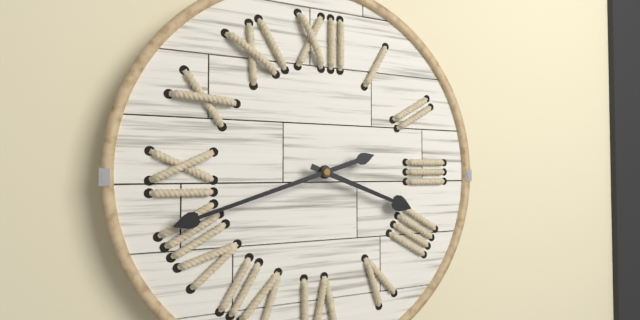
3:42
